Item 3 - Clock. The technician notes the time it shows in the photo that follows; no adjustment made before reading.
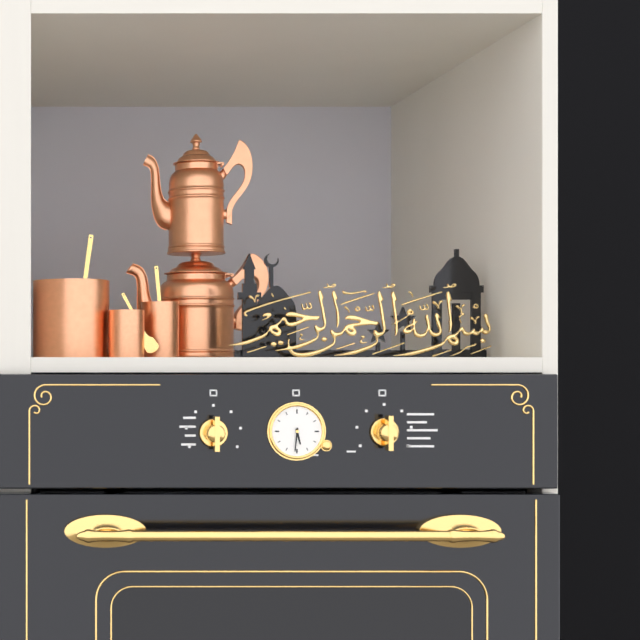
5:31
